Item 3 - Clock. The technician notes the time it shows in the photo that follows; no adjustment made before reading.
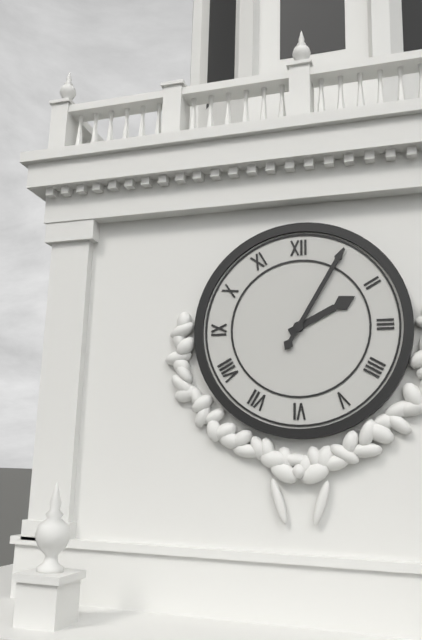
2:05
